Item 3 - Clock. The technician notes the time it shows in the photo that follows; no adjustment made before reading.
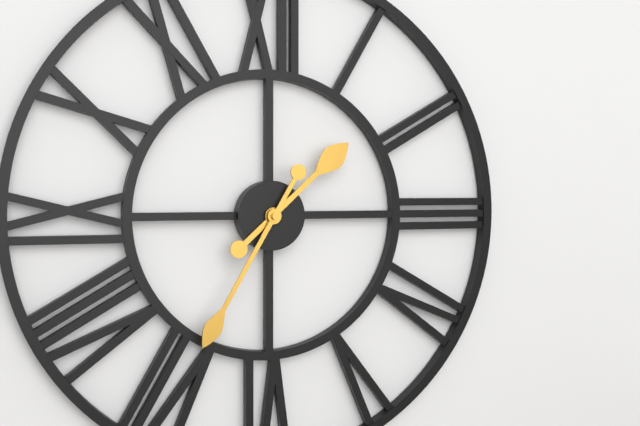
1:35
